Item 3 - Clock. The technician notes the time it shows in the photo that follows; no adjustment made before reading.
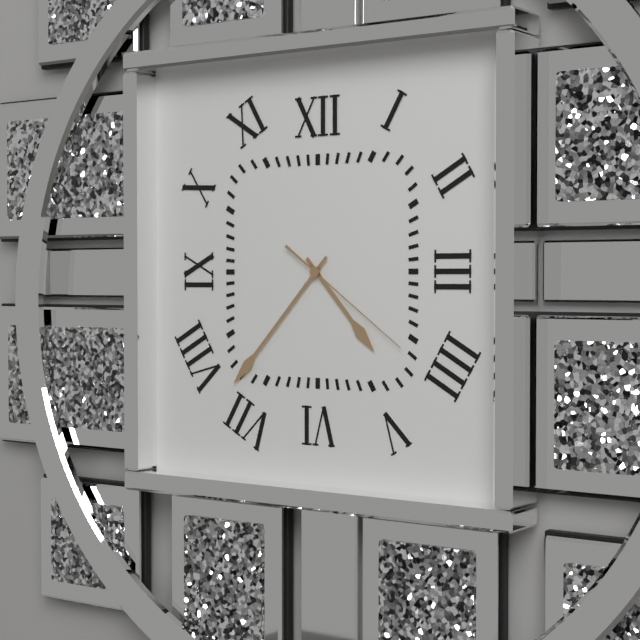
4:37:21
